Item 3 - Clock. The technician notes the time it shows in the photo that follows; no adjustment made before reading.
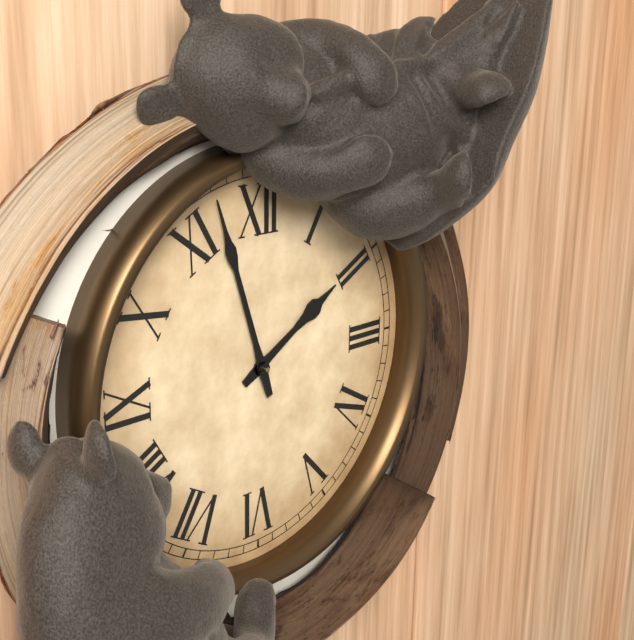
1:57
